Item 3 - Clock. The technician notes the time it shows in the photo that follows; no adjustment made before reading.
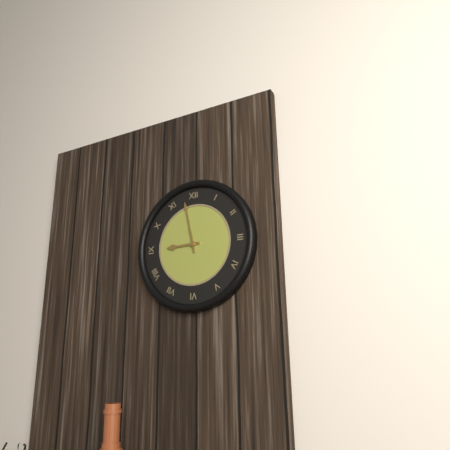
8:58
